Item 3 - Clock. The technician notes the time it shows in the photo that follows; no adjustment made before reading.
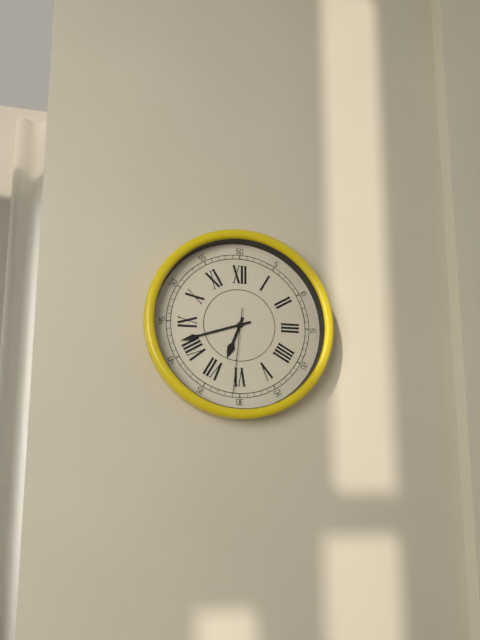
6:42:31
